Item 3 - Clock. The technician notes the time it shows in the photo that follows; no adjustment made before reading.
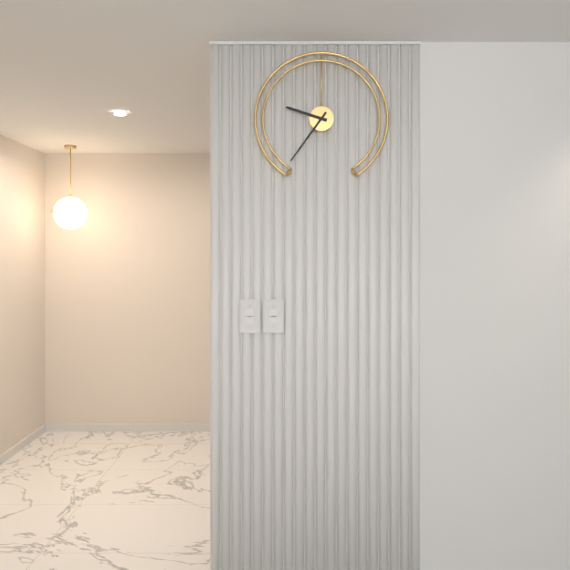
9:36
